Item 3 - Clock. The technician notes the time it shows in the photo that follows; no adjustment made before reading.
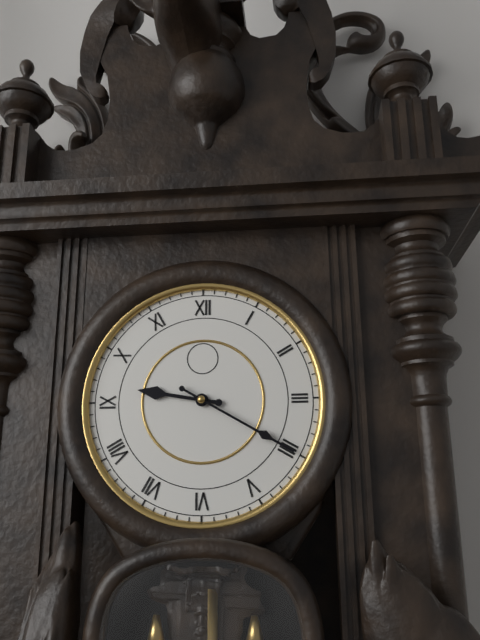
9:20
